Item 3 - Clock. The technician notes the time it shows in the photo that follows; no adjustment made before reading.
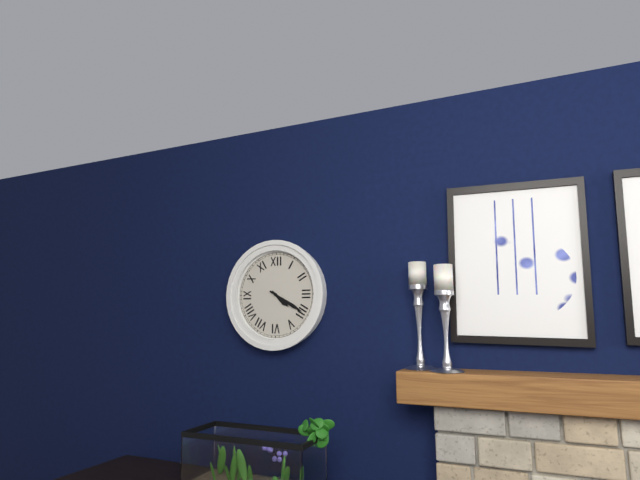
4:20
